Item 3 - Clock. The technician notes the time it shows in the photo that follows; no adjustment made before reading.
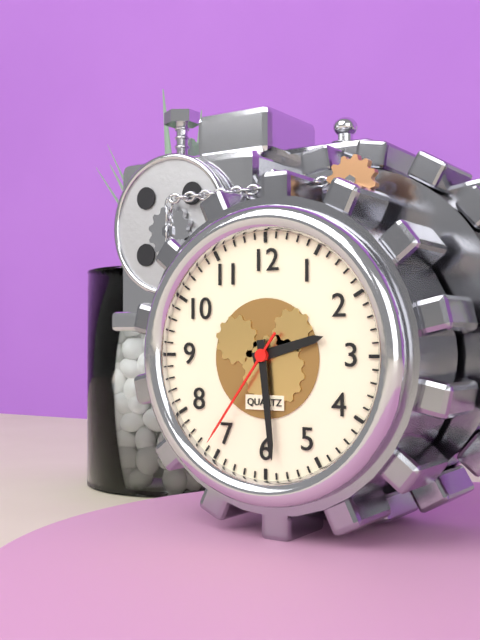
2:29:36
